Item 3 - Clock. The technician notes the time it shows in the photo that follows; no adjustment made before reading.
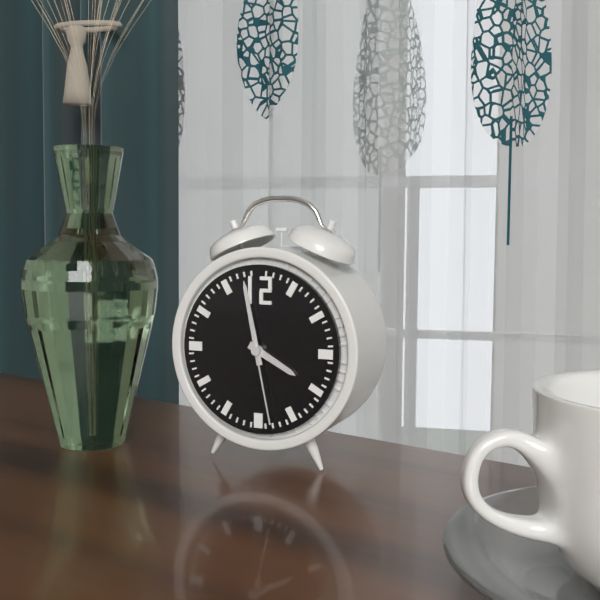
3:58:28
